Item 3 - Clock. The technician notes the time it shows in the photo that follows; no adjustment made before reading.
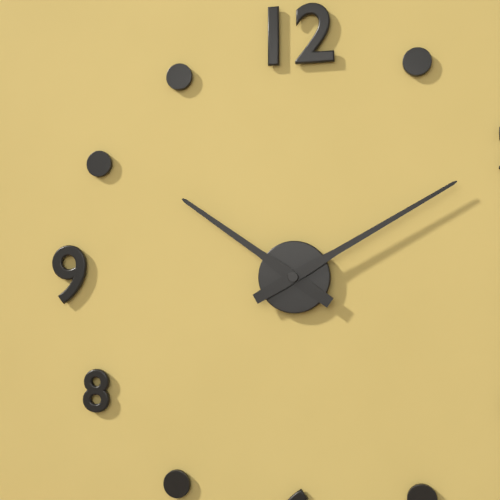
10:10
